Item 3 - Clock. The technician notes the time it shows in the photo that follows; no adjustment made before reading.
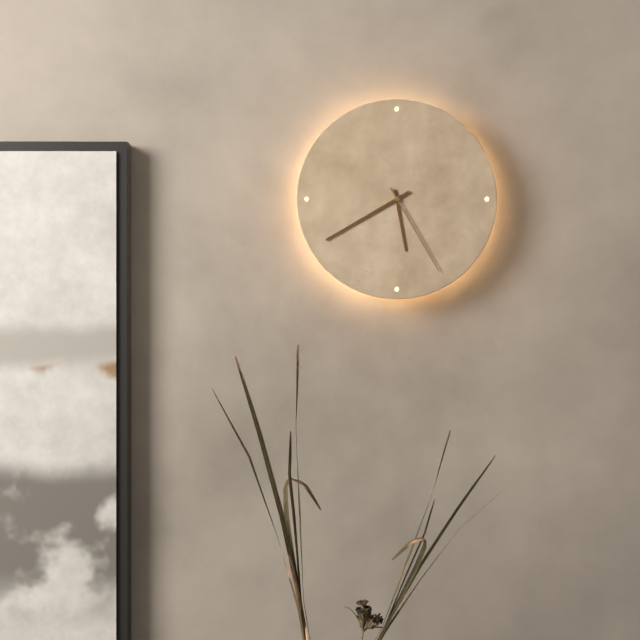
5:40:25
